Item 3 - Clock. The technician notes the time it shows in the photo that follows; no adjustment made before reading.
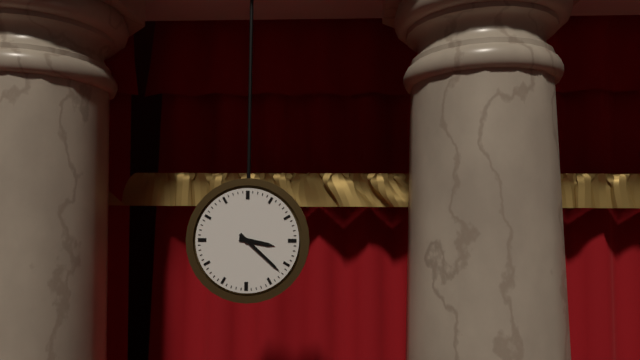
3:22
